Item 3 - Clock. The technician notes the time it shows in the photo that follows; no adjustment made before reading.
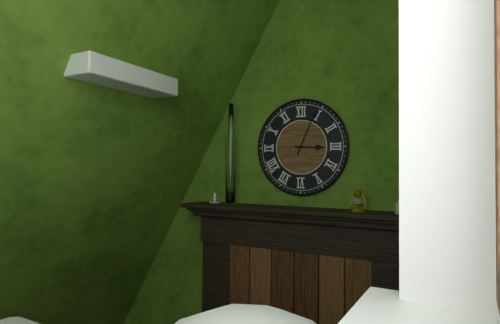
3:04
